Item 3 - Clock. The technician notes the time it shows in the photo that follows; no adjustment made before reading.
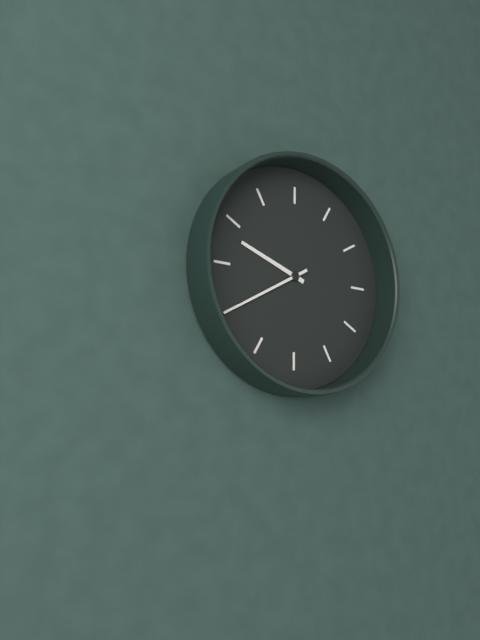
9:40
